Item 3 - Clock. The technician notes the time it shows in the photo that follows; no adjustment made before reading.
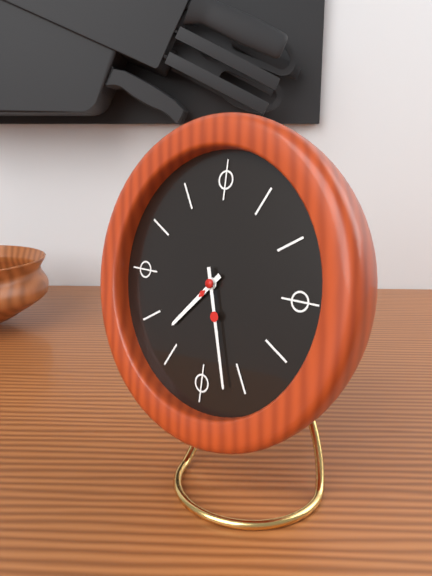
7:27
